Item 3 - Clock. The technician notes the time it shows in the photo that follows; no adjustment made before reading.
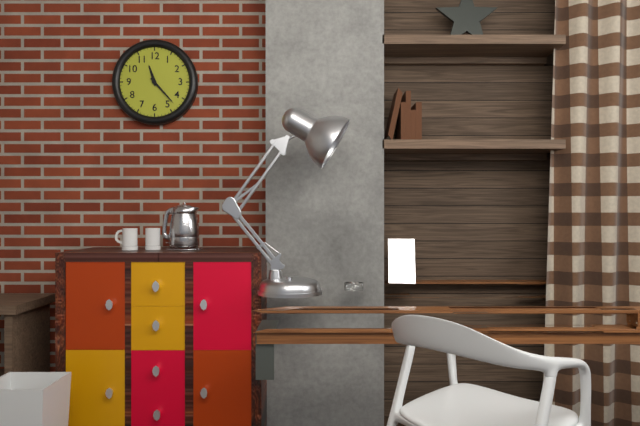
11:23
